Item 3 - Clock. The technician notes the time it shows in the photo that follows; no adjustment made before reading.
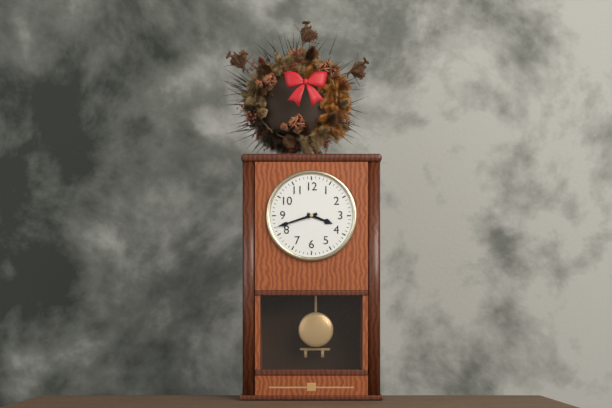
3:42
